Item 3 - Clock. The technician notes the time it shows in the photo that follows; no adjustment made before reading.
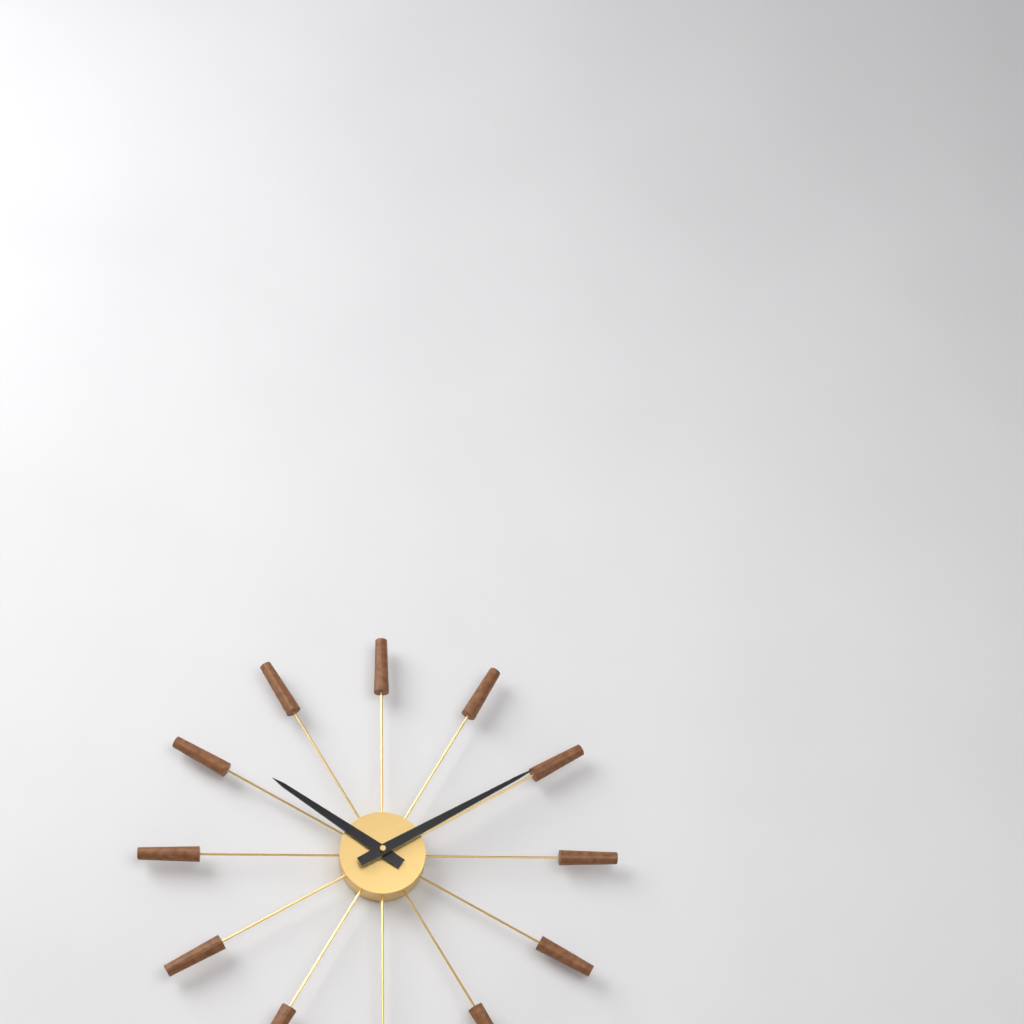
10:10
